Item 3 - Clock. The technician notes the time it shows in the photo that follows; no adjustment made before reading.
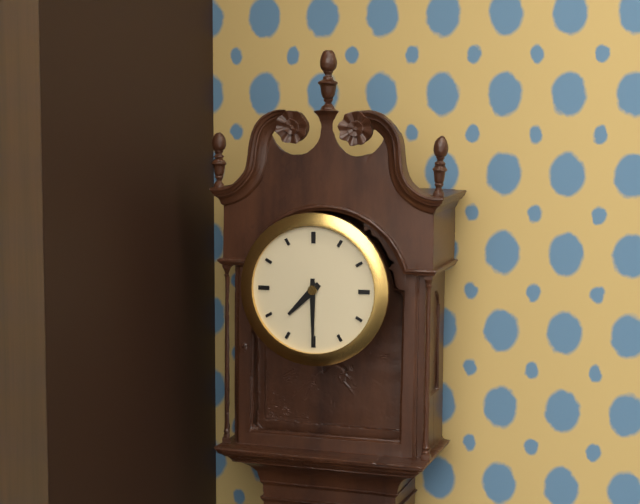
7:30
